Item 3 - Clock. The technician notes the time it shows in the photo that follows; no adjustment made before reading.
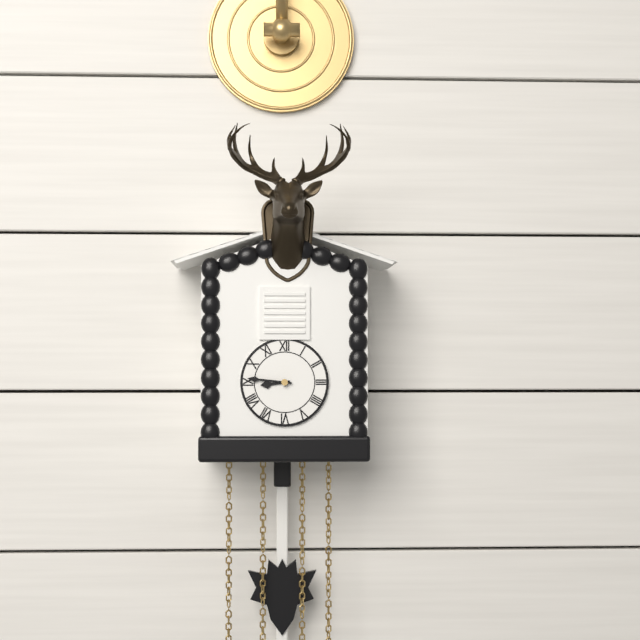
8:46
